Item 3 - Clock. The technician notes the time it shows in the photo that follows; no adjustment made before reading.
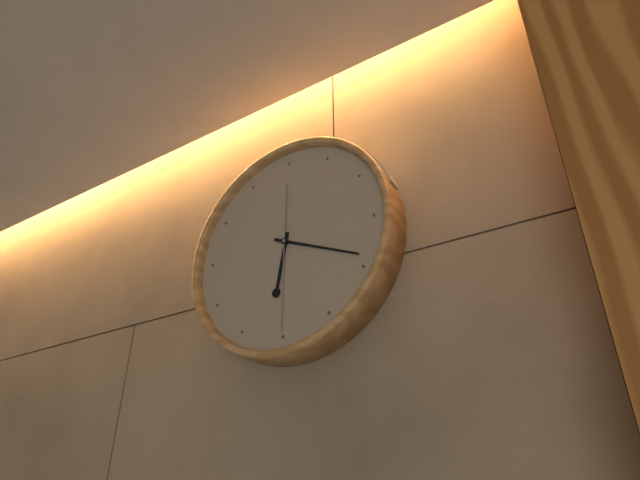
6:19:30
